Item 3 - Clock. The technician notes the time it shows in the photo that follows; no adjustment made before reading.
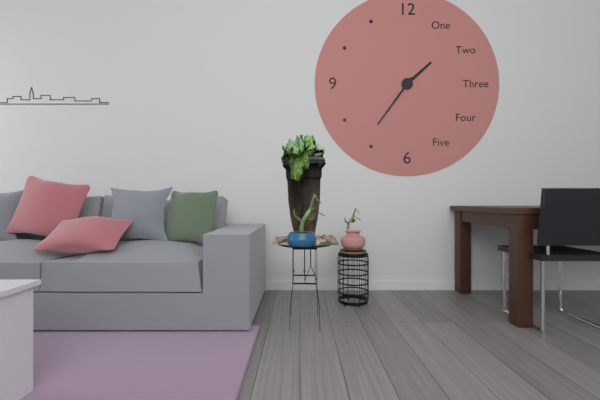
1:36
